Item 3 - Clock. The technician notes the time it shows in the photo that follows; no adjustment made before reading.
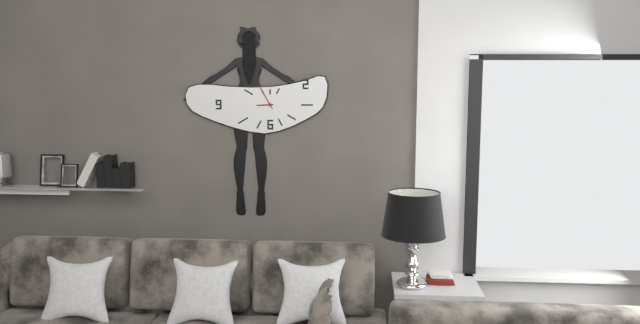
8:55
